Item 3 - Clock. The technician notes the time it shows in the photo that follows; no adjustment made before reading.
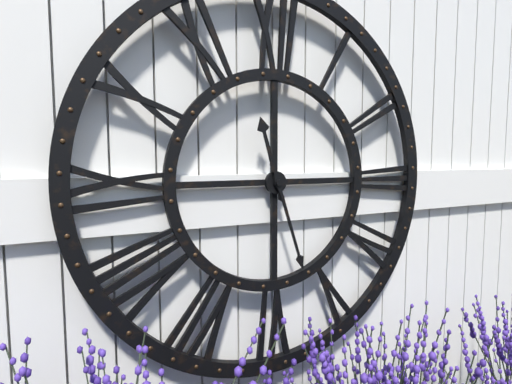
11:27
